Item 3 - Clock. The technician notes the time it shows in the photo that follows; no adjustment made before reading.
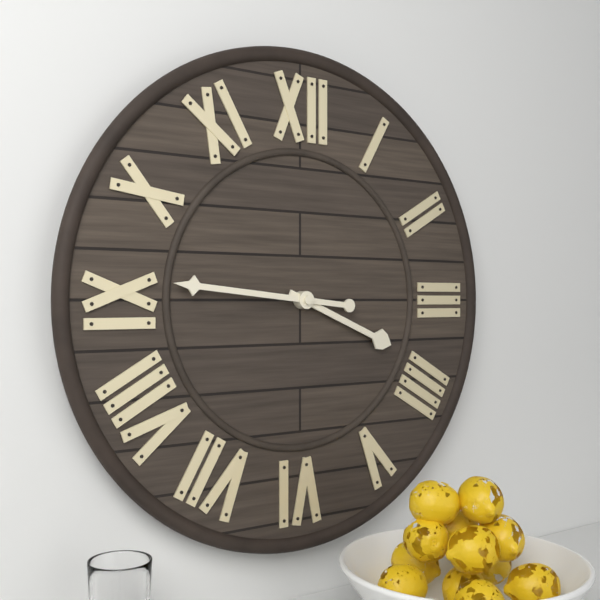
3:46
